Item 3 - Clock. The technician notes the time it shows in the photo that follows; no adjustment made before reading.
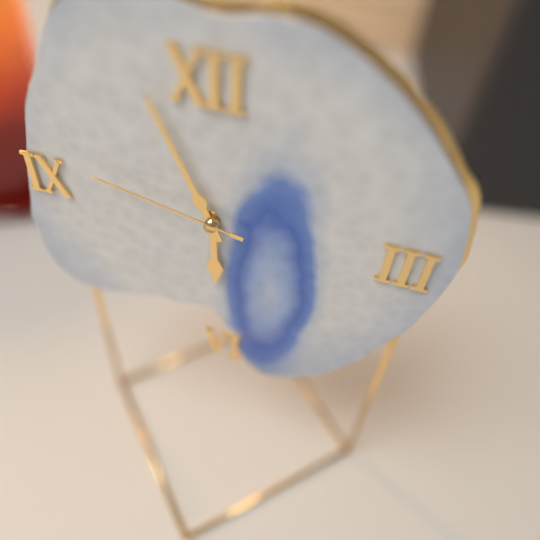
5:56:47
